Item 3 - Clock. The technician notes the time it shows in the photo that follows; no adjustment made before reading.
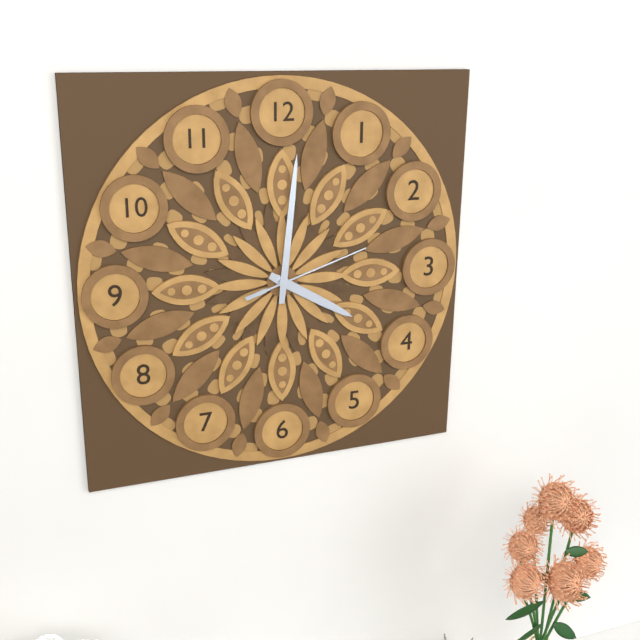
4:01:12
